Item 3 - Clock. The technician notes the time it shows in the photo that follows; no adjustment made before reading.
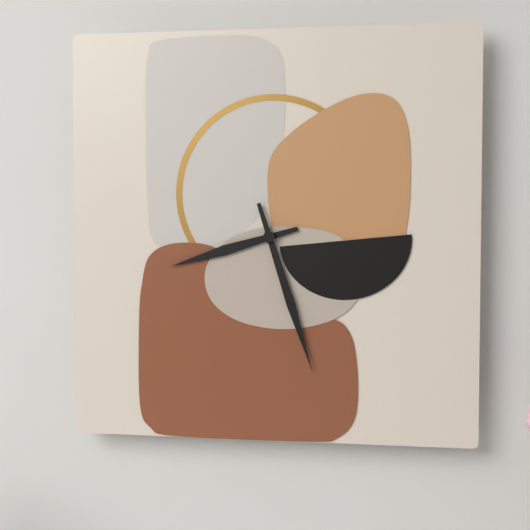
8:27
